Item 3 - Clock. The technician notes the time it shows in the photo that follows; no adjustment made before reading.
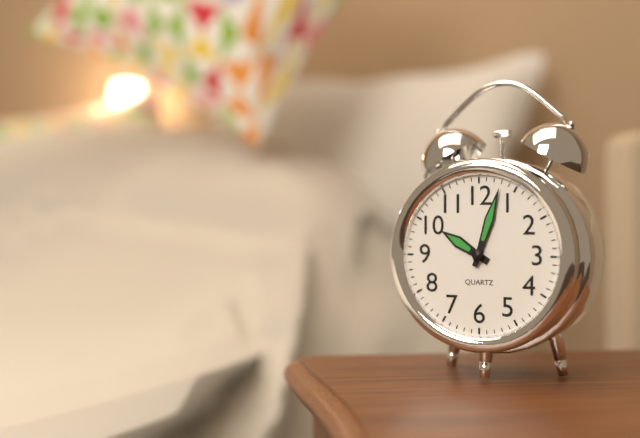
10:03
